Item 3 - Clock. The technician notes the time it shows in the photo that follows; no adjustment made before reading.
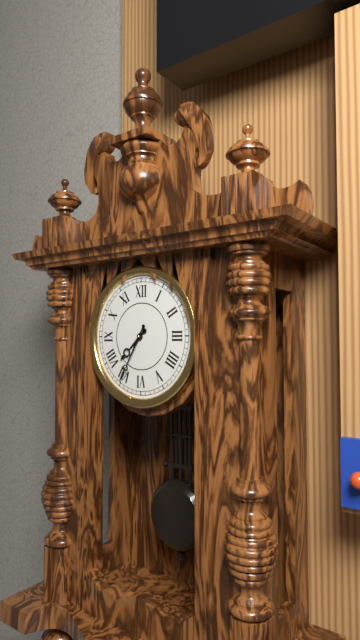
7:35
